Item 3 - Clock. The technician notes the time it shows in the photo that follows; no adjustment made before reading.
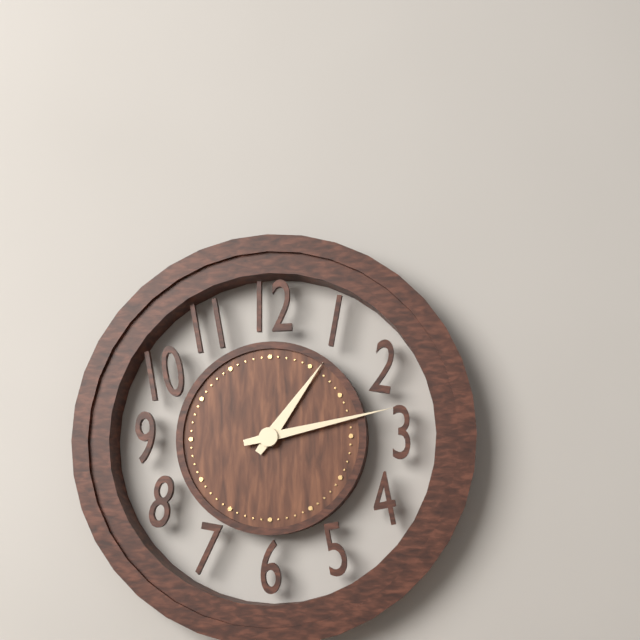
1:13
